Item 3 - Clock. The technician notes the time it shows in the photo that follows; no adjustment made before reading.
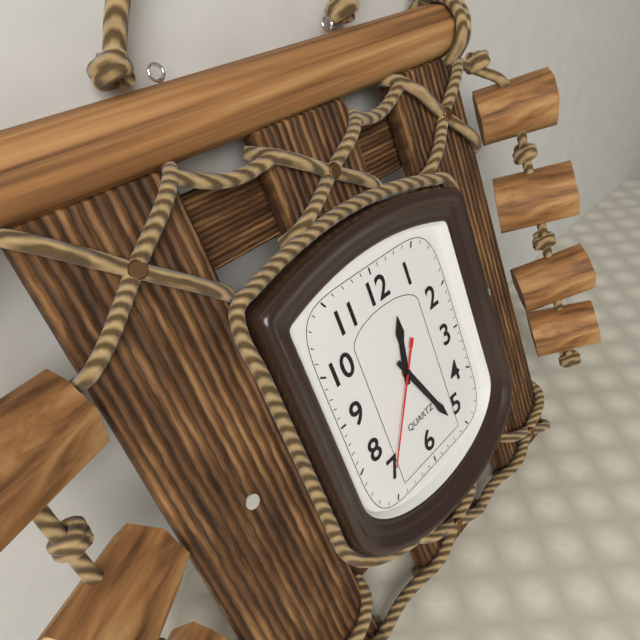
12:26:36
